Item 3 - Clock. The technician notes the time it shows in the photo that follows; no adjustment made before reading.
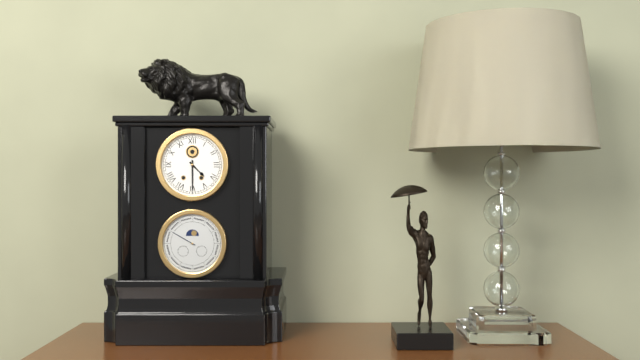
4:30
